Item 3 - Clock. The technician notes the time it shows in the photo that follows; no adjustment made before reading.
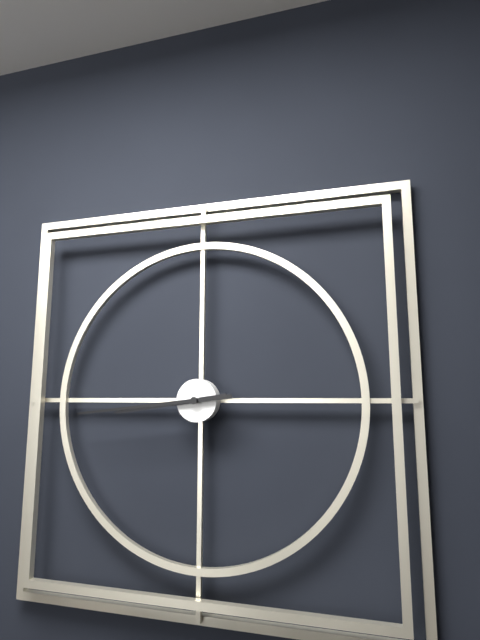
8:44
